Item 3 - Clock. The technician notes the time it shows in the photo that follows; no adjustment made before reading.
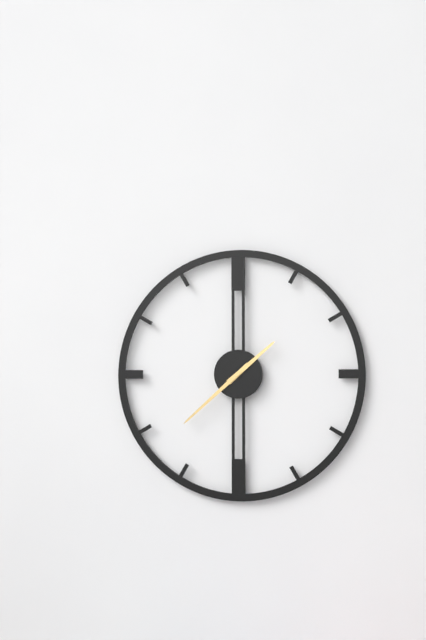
1:38
